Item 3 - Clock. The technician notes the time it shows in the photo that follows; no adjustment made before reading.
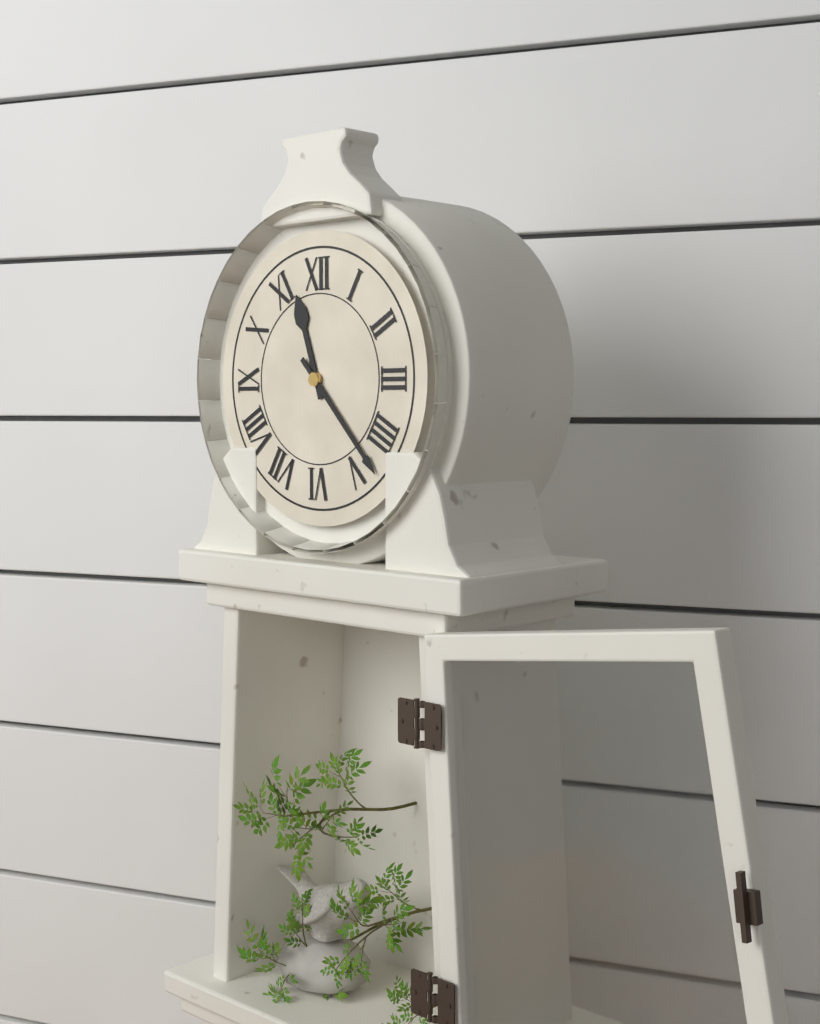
11:23
